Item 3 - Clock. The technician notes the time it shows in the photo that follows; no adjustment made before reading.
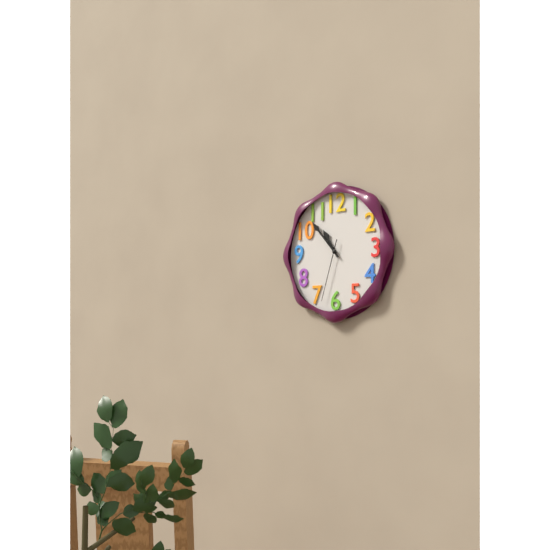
10:53:33
